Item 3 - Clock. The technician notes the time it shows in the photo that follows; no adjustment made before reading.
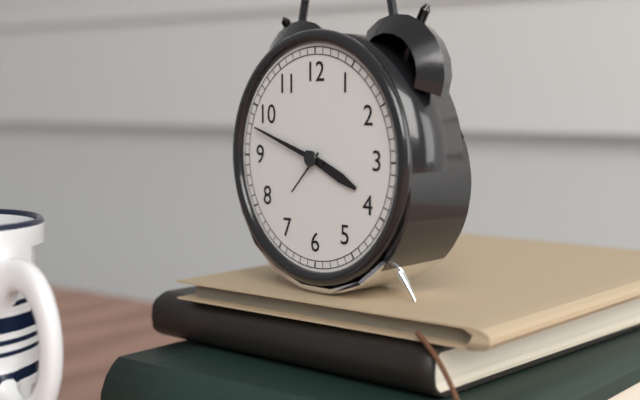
3:48
